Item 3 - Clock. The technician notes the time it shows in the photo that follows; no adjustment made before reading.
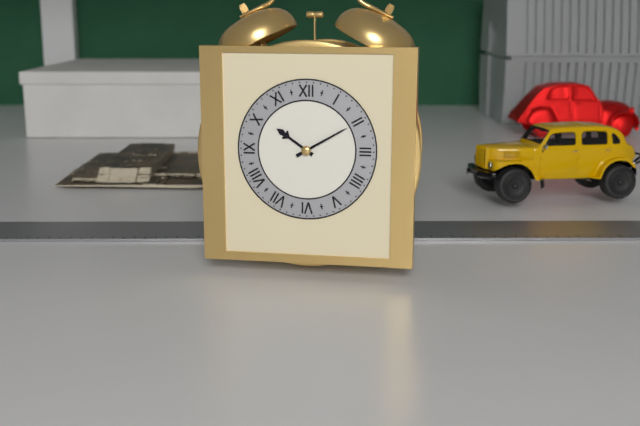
10:10
